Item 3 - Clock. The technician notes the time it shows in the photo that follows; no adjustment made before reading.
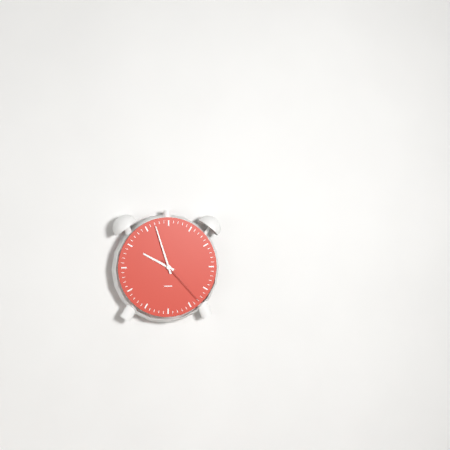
9:57:23
